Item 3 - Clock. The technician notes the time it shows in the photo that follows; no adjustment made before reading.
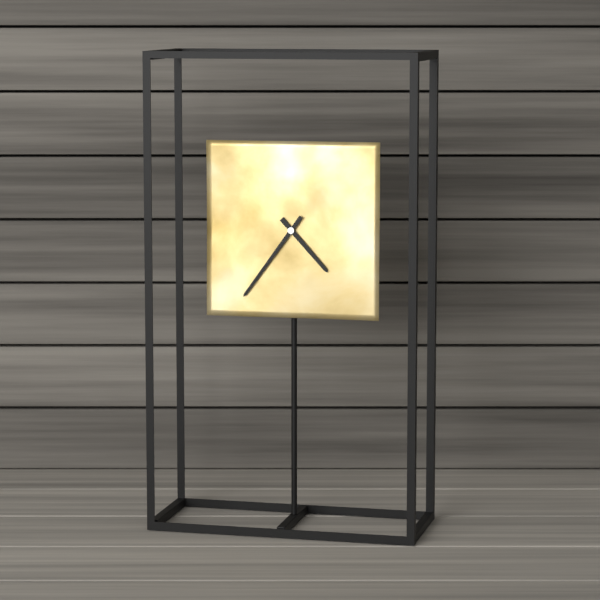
4:36
